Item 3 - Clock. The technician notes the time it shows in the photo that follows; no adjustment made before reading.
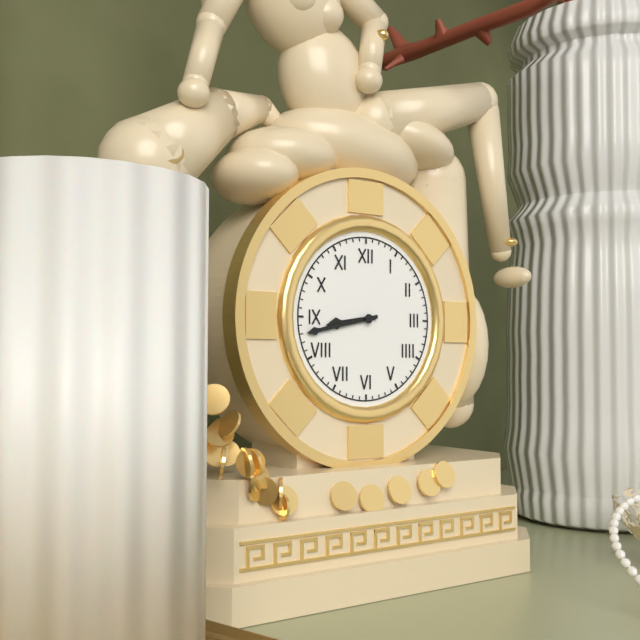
8:43
